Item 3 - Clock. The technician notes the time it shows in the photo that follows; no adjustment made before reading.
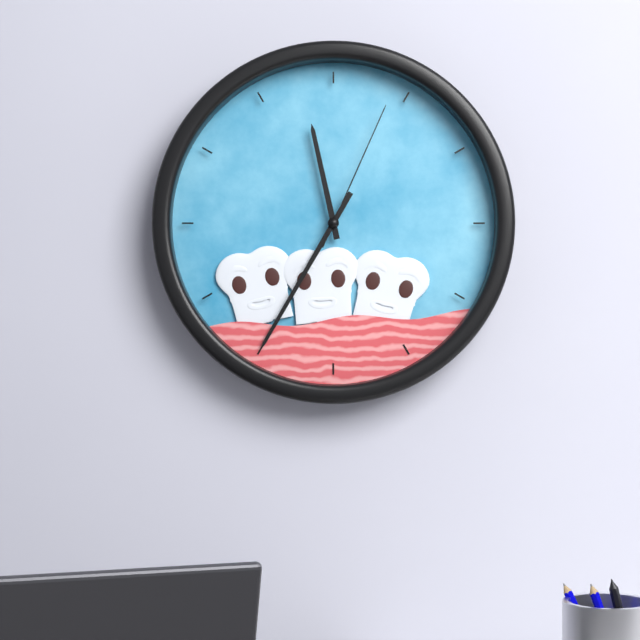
11:35:04
